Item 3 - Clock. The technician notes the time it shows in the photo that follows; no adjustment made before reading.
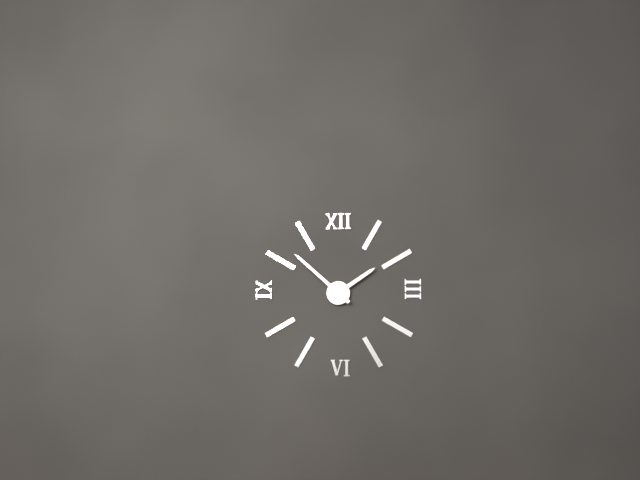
1:52
